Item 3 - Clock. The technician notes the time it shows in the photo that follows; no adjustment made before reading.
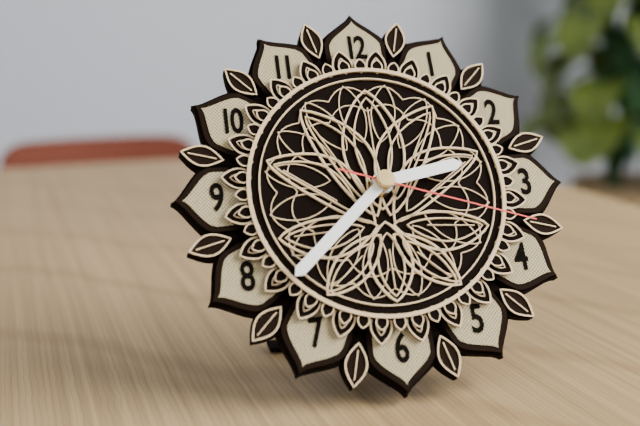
2:38:18
